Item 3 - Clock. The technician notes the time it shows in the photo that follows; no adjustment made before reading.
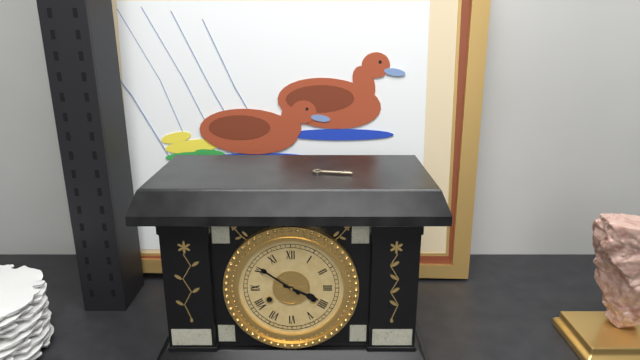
3:51
